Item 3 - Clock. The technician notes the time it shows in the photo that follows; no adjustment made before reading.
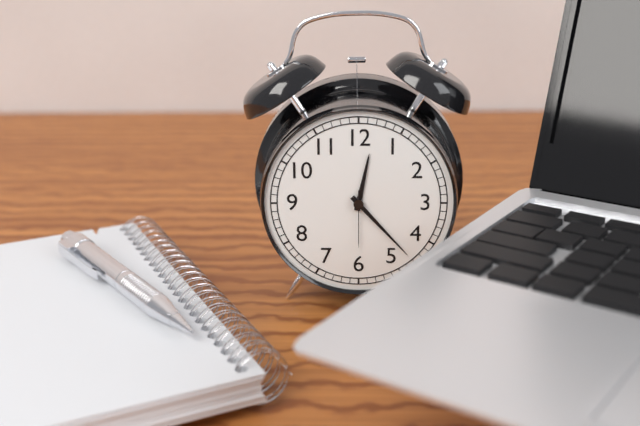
12:23:30
